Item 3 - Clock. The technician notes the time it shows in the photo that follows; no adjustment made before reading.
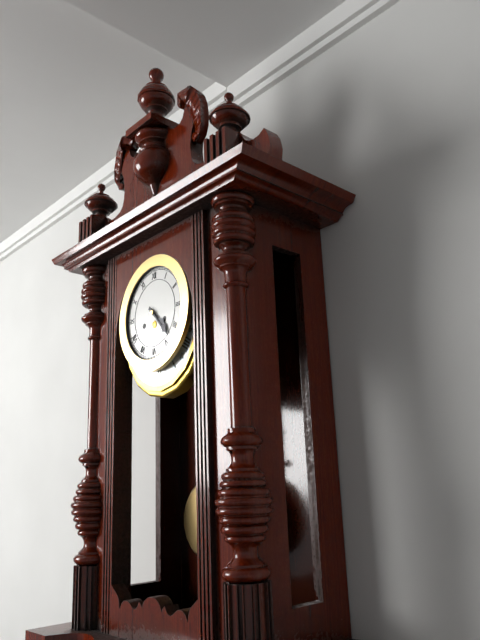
4:23
